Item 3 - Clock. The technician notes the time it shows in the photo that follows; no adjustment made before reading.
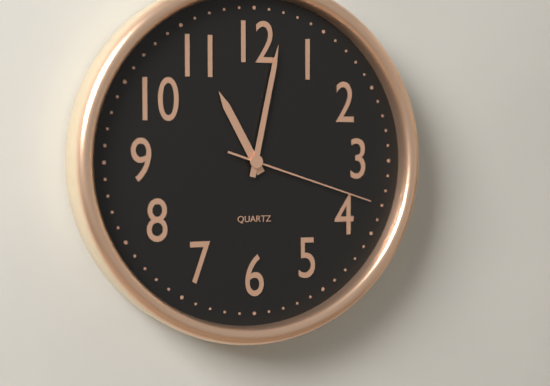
11:02:18
